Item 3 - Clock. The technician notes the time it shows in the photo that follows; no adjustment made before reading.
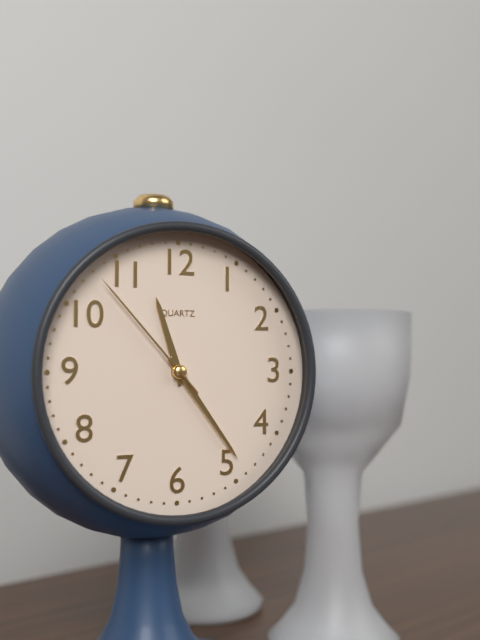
11:24:53
